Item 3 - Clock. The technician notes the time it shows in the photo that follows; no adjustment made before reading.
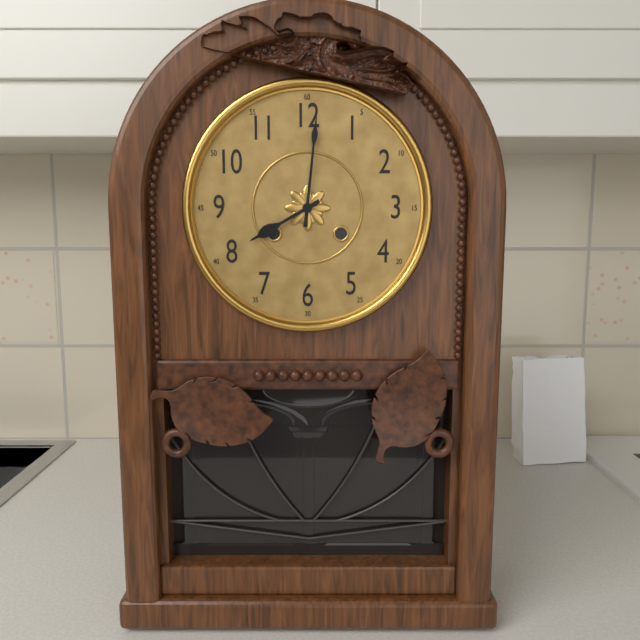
8:01
